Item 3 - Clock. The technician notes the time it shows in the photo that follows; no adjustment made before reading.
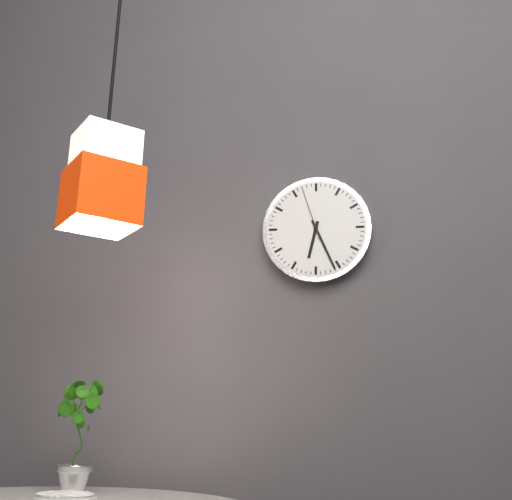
6:26:57
